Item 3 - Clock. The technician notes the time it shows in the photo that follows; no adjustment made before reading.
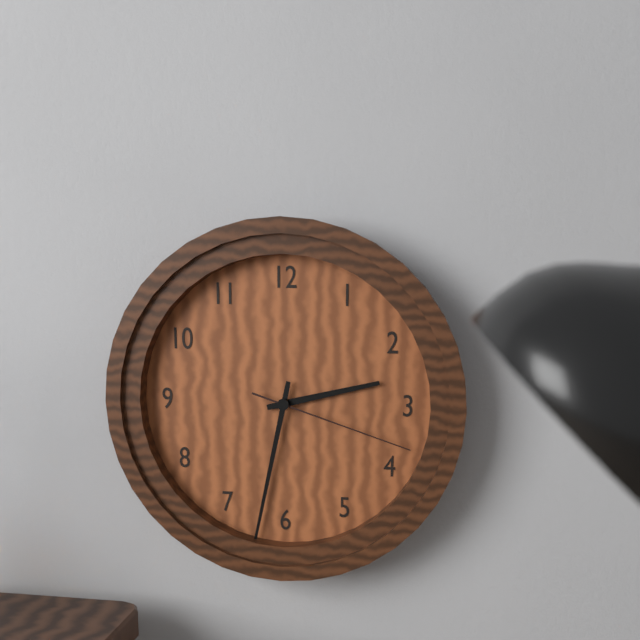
2:32:18
